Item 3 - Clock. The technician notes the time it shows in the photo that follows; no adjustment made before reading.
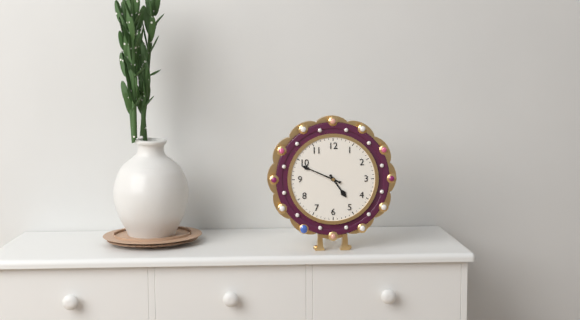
4:49
